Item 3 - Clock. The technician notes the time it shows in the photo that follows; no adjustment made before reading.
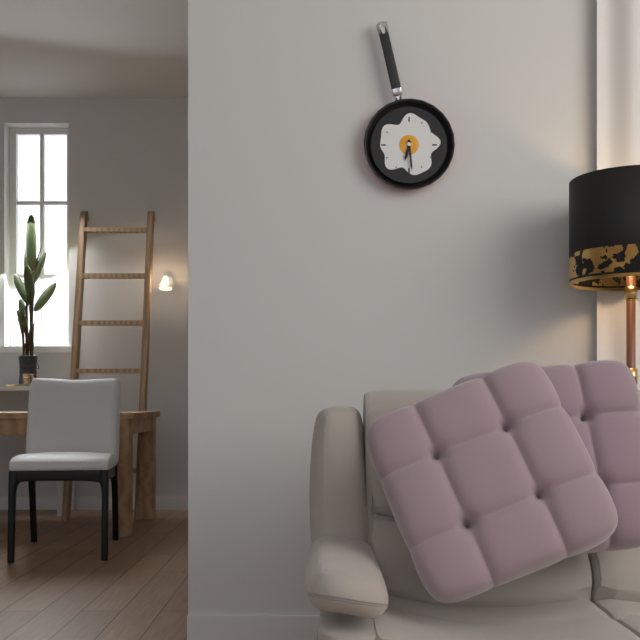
6:29
